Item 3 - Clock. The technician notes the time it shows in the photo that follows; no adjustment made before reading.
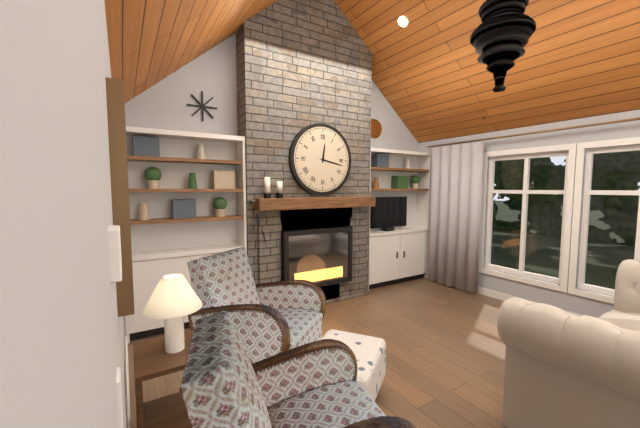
12:17
